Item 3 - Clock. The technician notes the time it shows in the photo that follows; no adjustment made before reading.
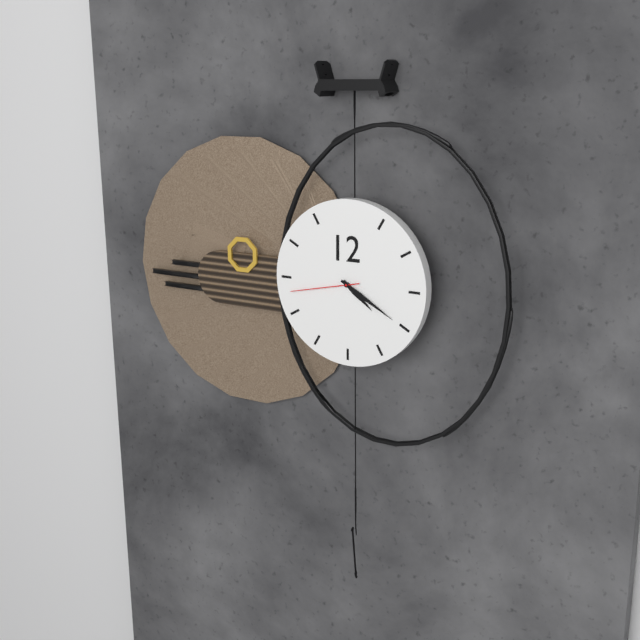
4:20:43
